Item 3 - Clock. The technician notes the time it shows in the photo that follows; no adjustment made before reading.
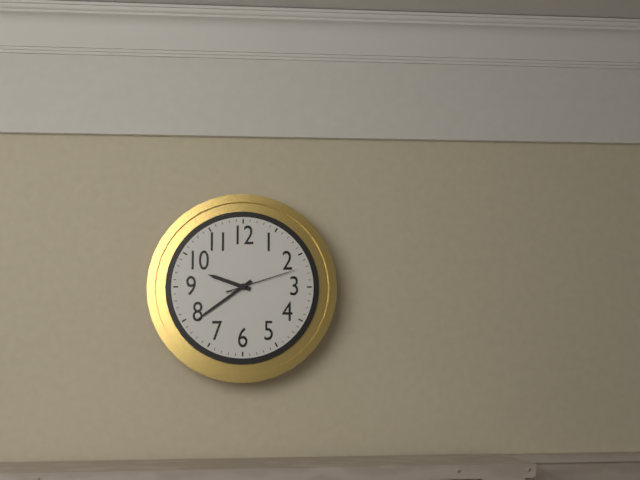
9:39:12
